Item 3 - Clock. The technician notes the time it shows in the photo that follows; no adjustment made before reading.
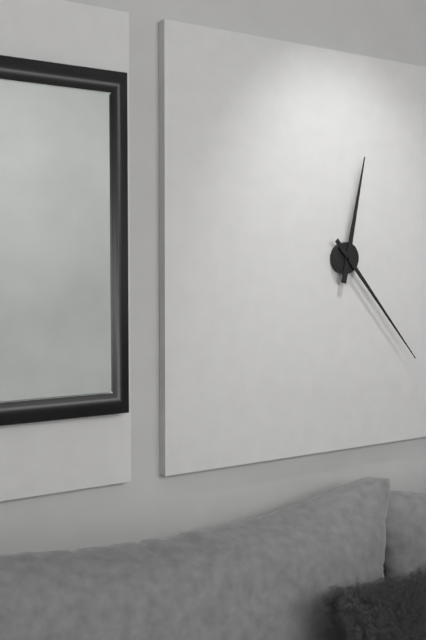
12:23
